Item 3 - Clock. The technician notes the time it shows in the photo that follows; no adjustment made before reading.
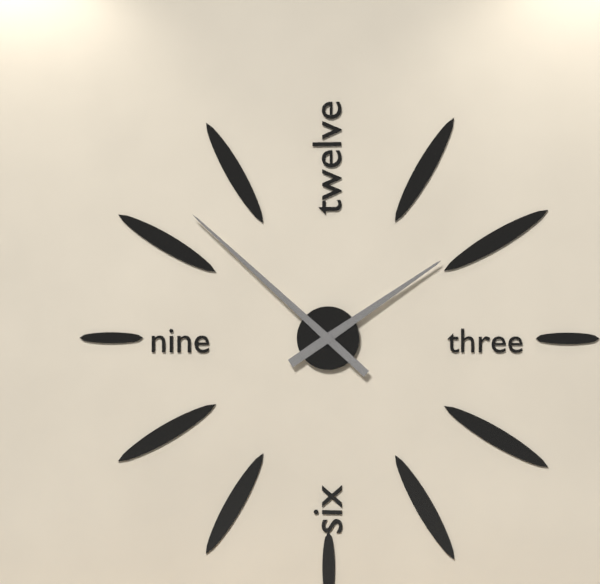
1:52
